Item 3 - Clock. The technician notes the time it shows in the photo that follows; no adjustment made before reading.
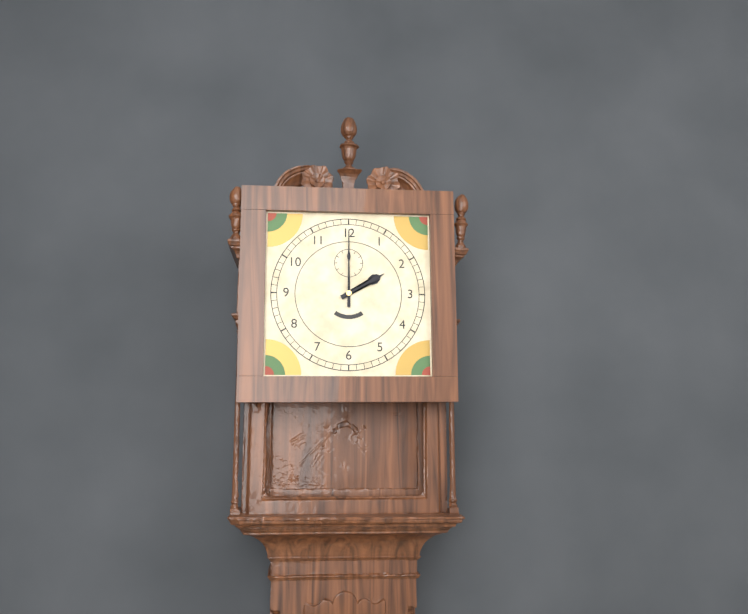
2:00
